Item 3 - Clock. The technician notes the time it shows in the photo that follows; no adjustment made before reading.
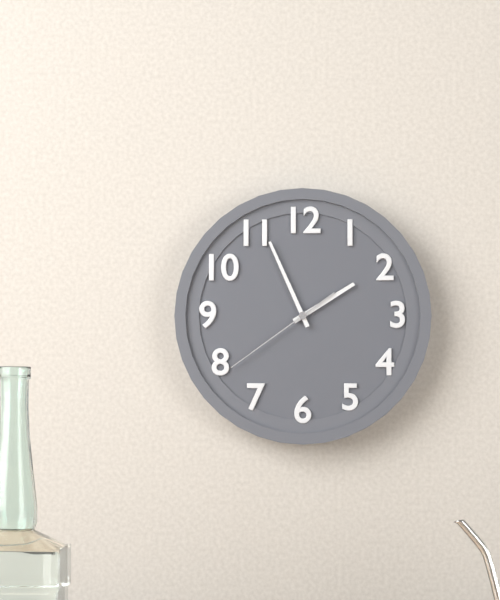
1:56:39
